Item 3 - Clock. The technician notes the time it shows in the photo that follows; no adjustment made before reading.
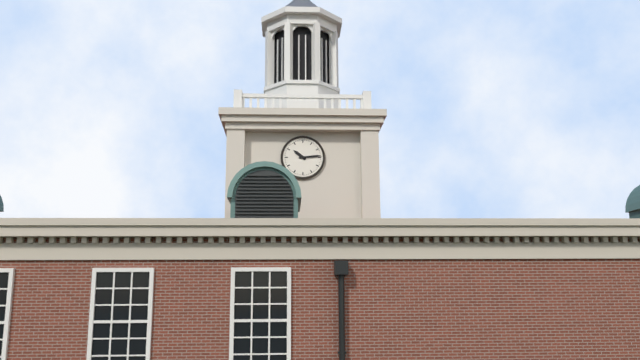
10:14
